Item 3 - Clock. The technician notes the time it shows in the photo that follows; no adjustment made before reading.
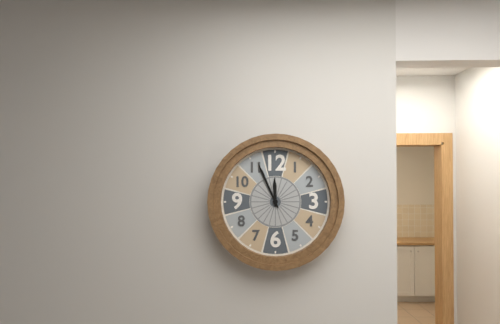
11:56
